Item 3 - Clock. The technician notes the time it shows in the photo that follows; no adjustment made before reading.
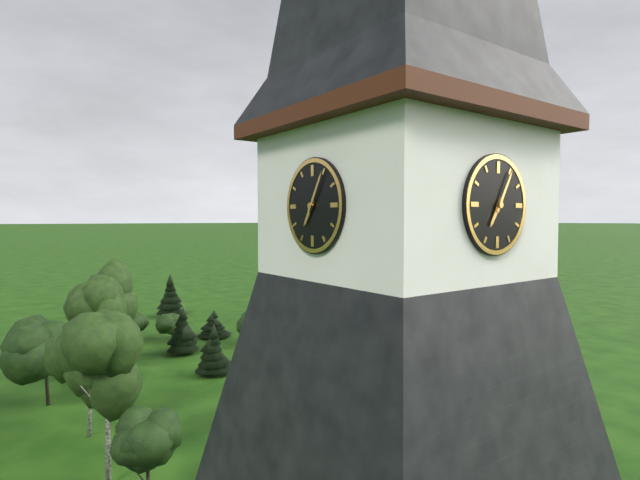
7:05
